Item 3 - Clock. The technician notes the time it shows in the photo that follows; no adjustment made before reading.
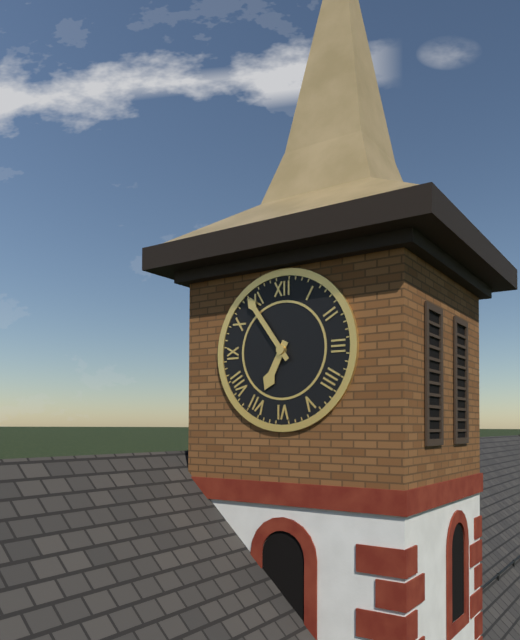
6:54
